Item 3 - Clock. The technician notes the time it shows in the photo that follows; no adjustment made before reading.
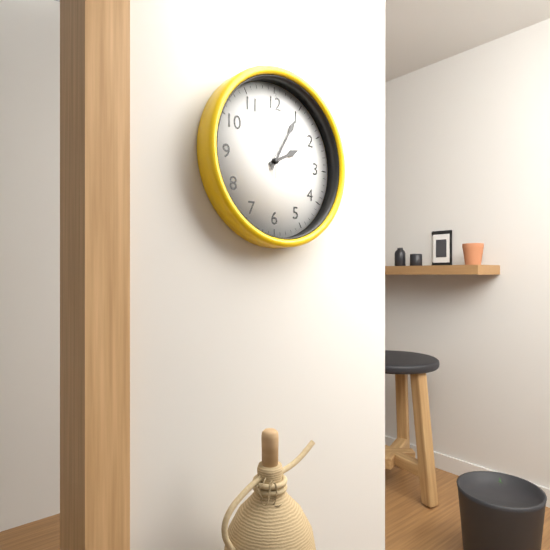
2:05:00
